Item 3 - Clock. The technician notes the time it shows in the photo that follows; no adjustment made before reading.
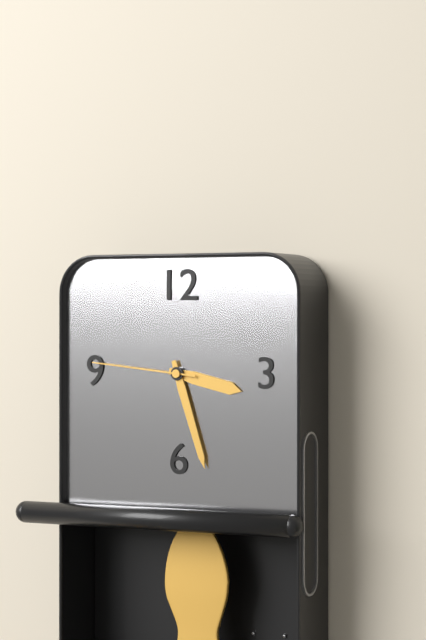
3:27:46
